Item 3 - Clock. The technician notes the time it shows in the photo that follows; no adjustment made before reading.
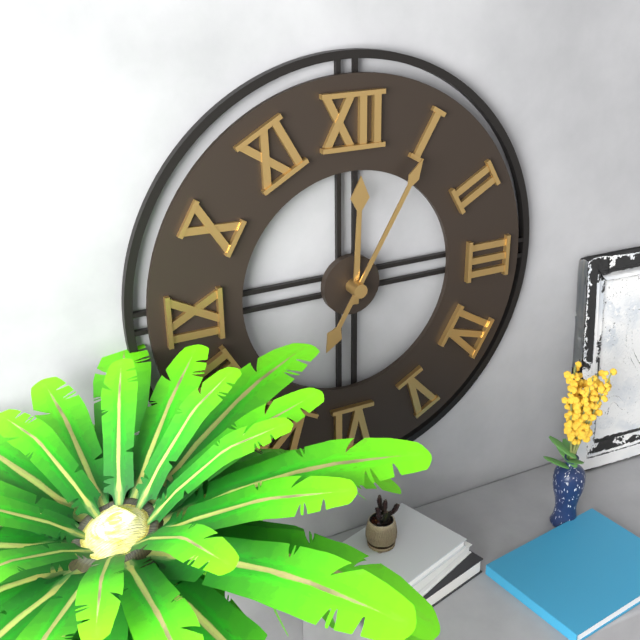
12:05
